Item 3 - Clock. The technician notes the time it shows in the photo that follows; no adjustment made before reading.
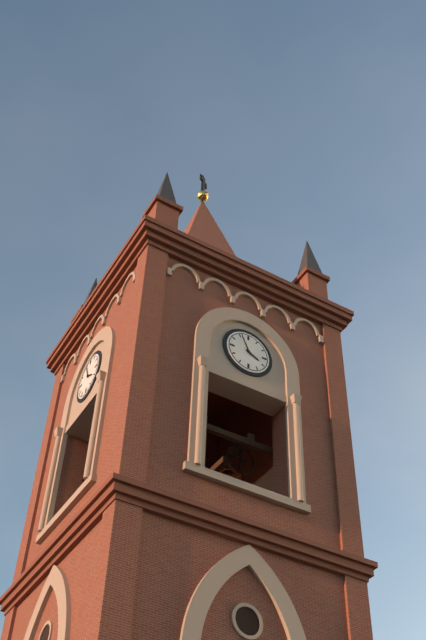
3:56
